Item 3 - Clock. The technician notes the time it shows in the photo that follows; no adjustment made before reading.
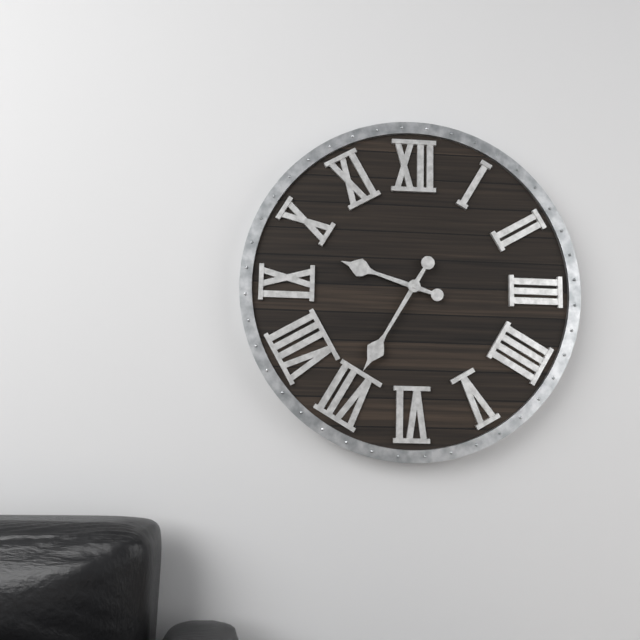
9:35
